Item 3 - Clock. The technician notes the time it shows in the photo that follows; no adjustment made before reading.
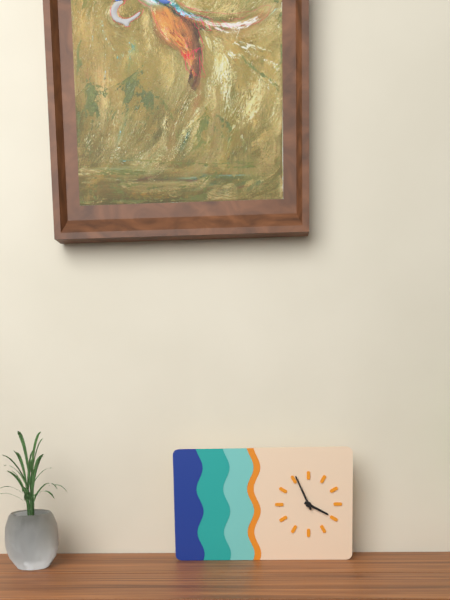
3:56
